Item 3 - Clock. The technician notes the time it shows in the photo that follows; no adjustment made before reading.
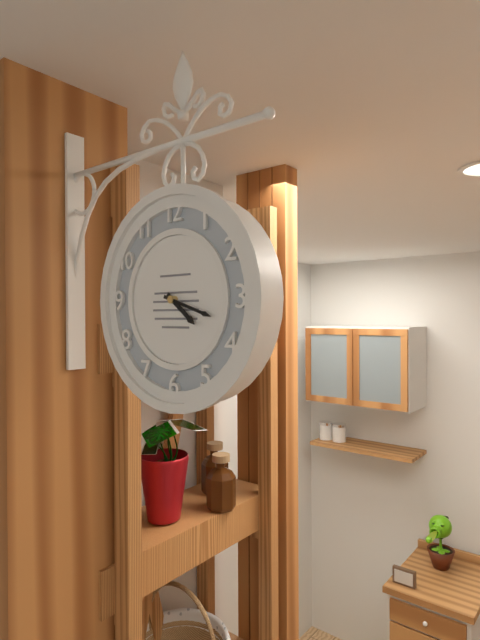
4:18
